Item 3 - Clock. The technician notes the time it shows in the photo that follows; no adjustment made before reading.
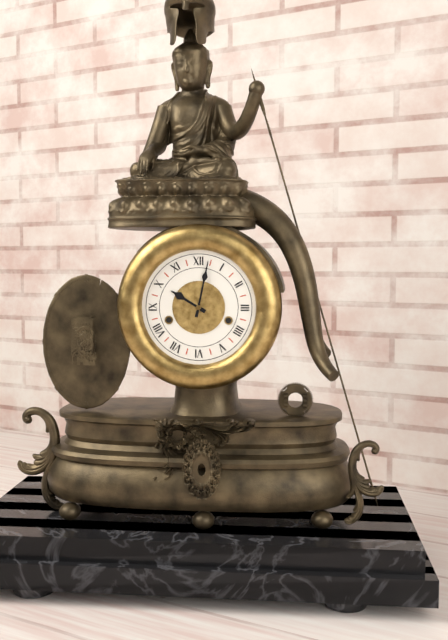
10:02
